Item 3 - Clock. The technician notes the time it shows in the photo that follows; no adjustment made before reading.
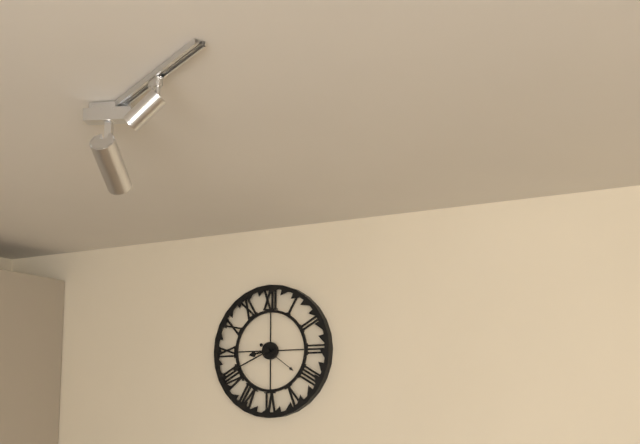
8:41
